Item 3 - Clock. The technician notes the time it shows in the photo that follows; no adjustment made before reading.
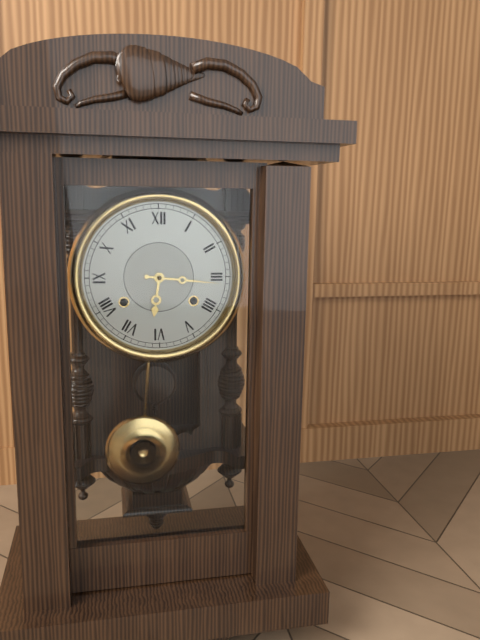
6:16
